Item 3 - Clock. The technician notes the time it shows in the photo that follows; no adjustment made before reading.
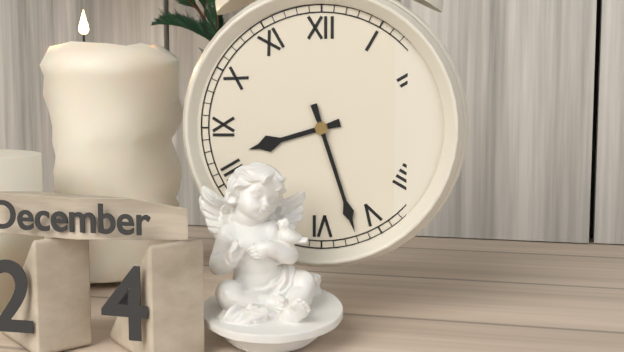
8:27
